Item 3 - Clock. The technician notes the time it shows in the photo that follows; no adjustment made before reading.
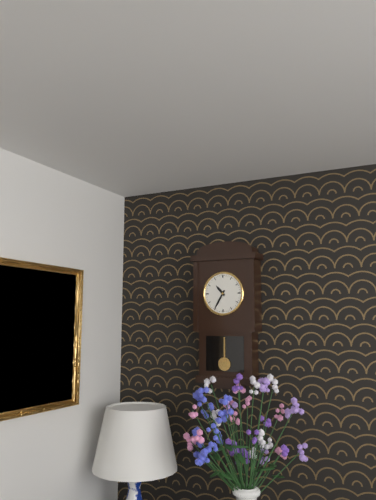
10:35
